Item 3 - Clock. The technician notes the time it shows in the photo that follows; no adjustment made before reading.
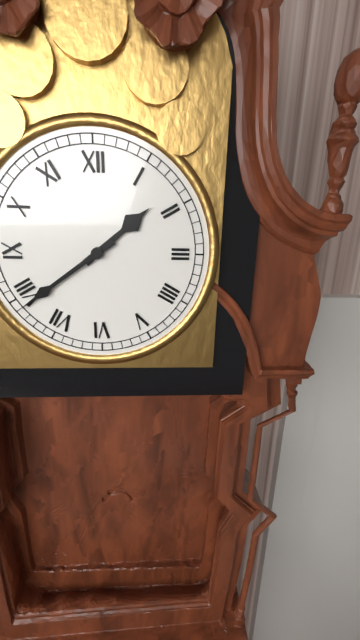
1:39
